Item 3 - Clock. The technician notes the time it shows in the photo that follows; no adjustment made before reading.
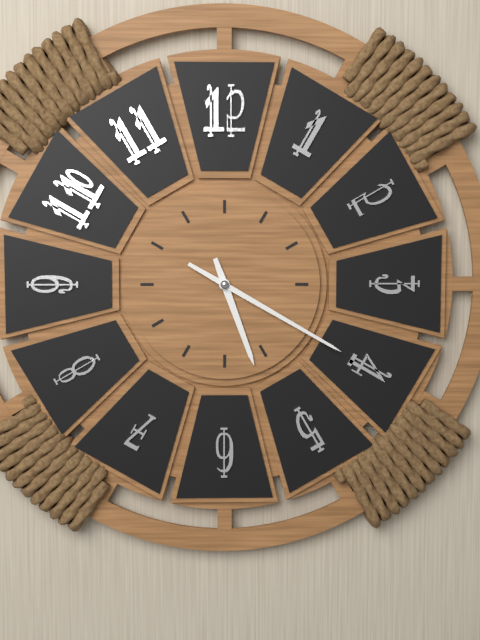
5:20
